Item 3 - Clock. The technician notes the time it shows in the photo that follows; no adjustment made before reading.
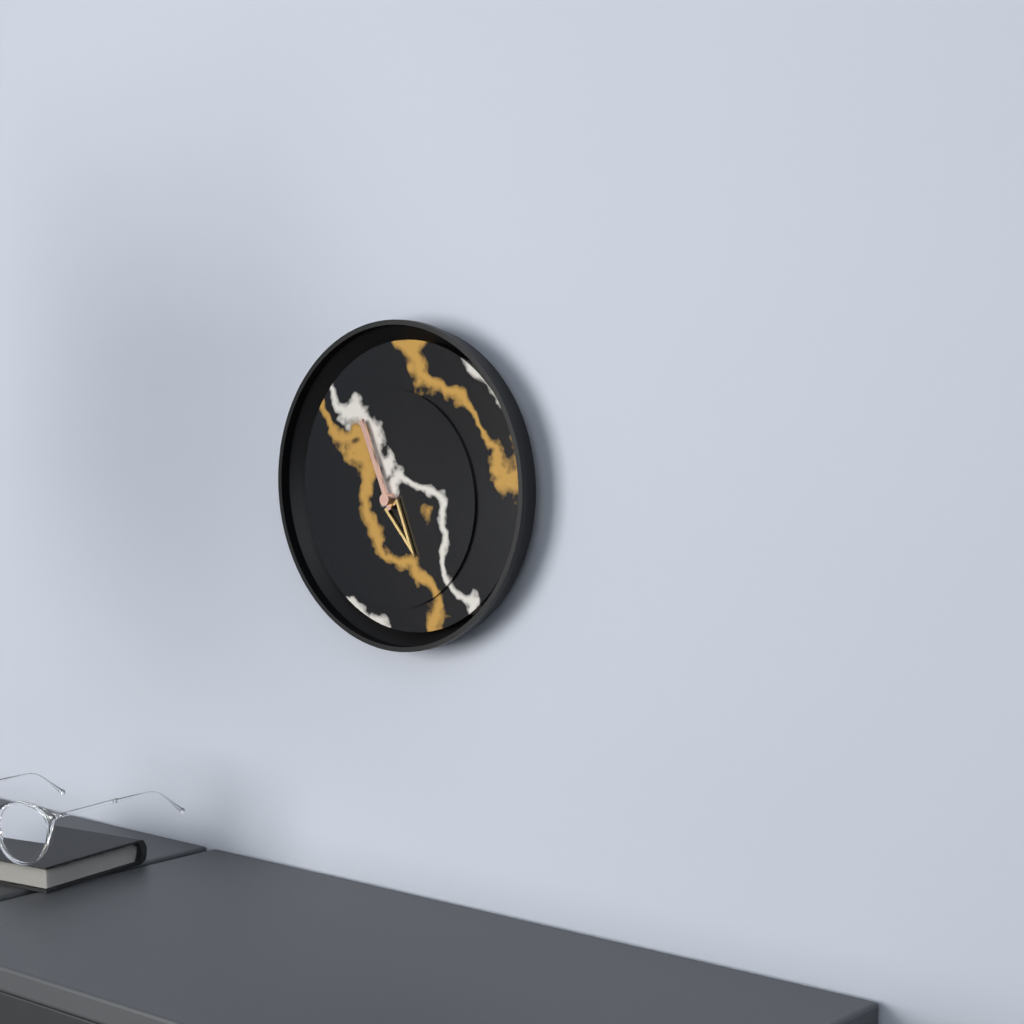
4:56
